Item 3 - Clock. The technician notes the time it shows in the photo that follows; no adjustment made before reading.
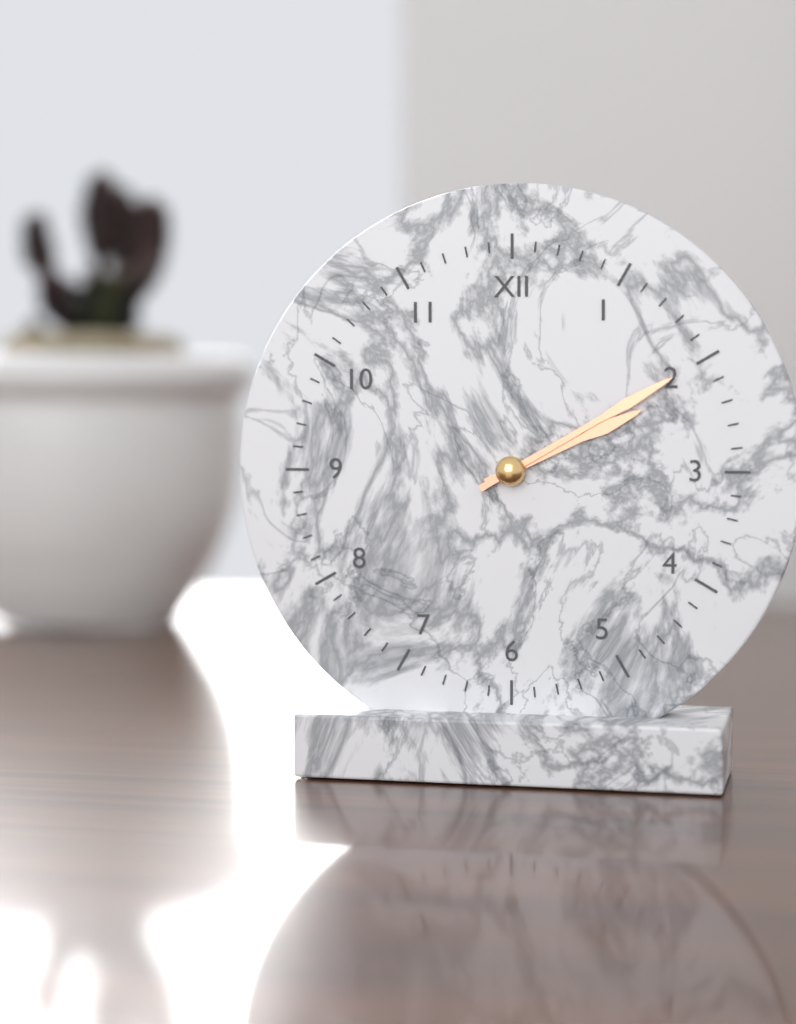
2:10
